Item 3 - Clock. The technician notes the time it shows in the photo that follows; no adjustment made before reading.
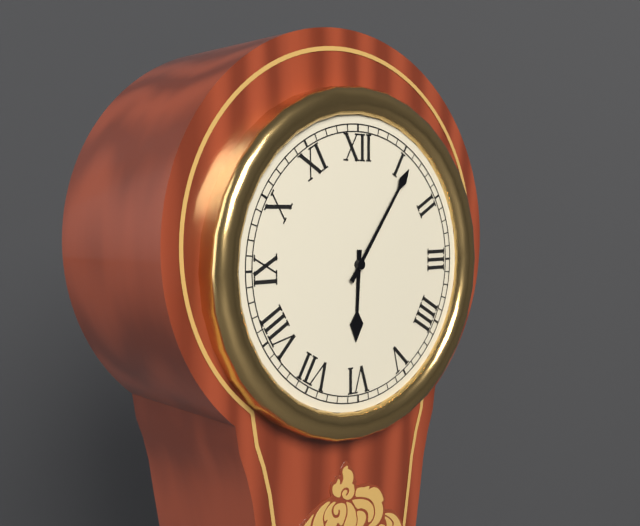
6:06
